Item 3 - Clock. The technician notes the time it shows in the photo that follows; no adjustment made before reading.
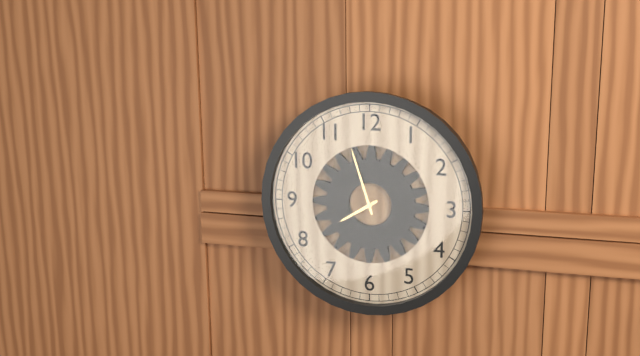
7:57
